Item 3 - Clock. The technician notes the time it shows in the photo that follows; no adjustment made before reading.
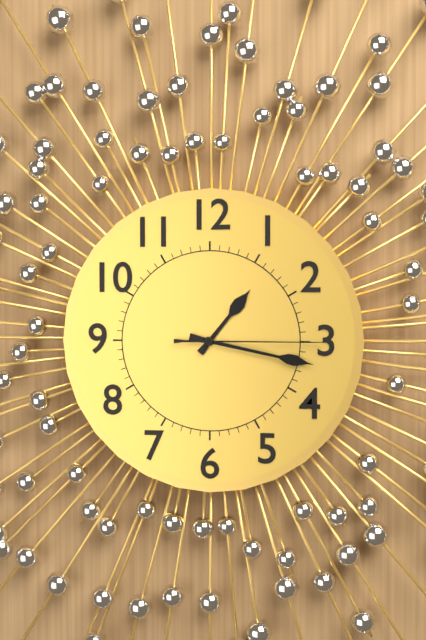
1:17:15
